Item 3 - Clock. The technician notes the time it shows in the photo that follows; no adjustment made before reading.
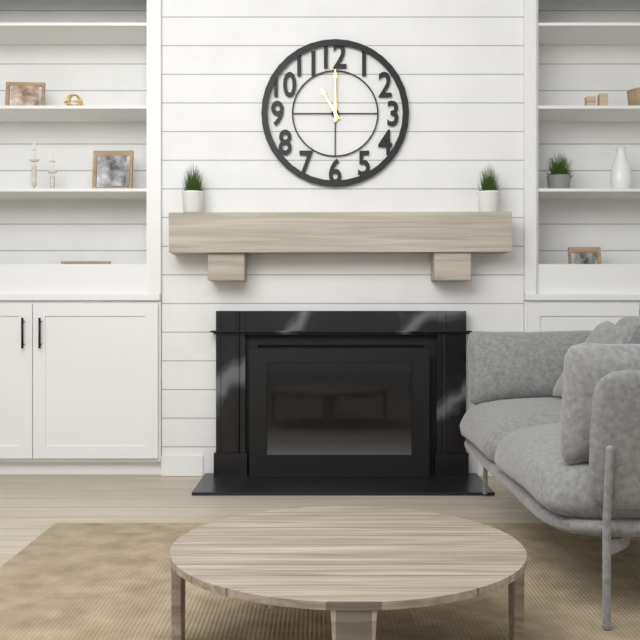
11:00
